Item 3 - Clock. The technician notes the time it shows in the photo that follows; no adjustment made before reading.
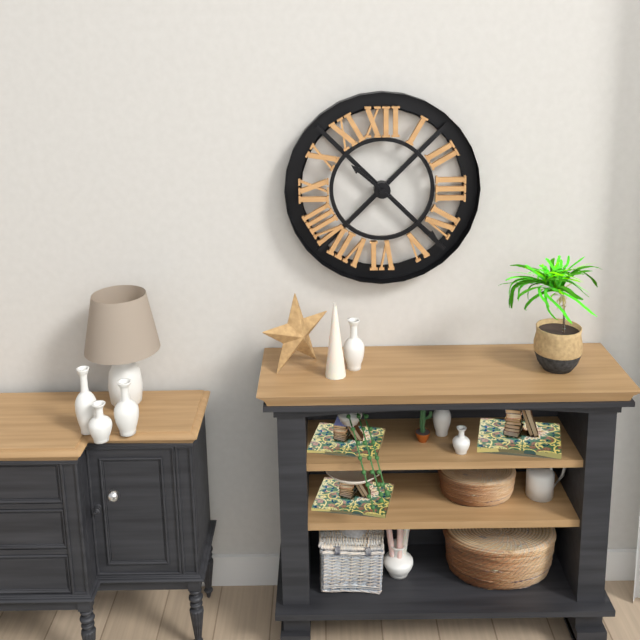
10:22
